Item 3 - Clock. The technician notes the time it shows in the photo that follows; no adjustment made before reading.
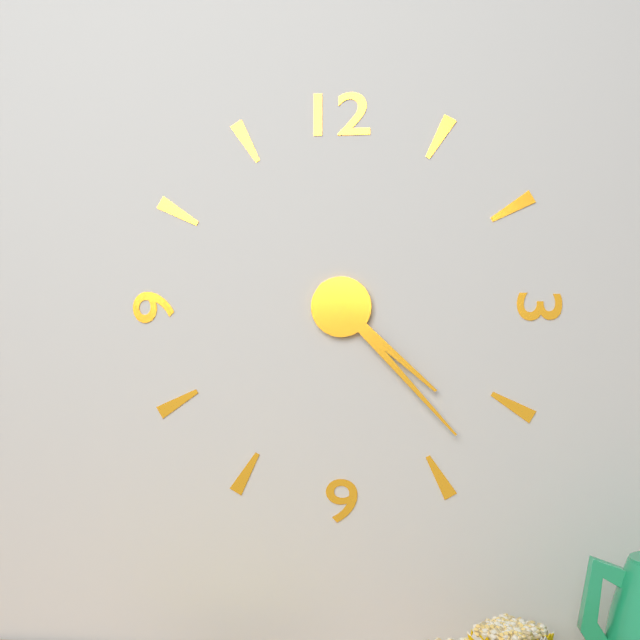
4:23
